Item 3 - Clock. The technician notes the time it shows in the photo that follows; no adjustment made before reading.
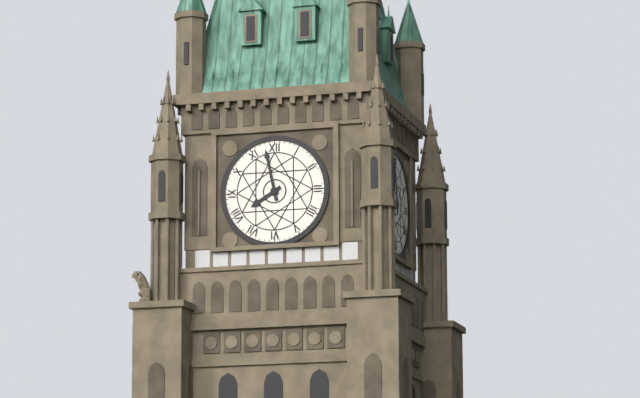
7:58
